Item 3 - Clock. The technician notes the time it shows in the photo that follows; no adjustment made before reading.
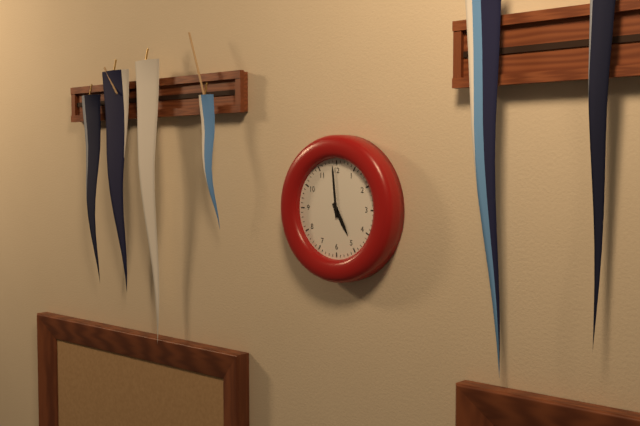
4:59
